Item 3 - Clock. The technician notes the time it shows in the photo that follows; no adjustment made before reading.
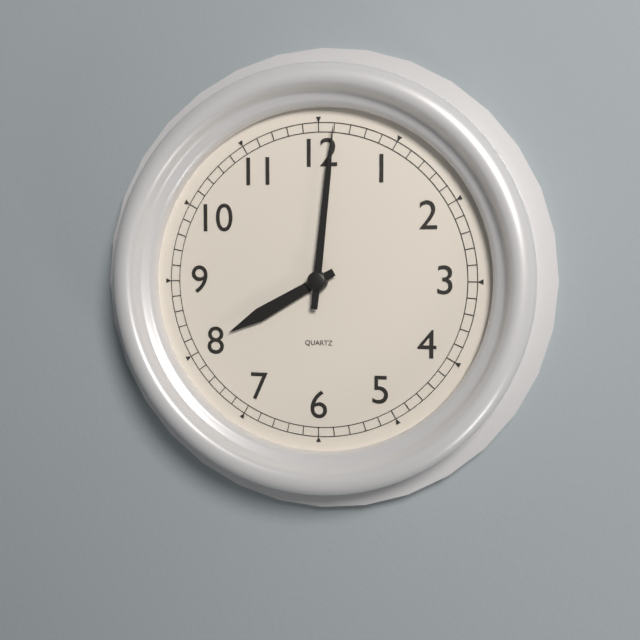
8:01
